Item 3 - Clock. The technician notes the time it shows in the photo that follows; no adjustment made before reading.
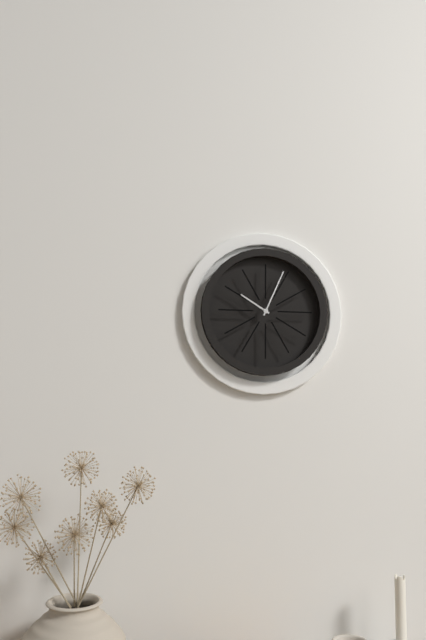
10:04
